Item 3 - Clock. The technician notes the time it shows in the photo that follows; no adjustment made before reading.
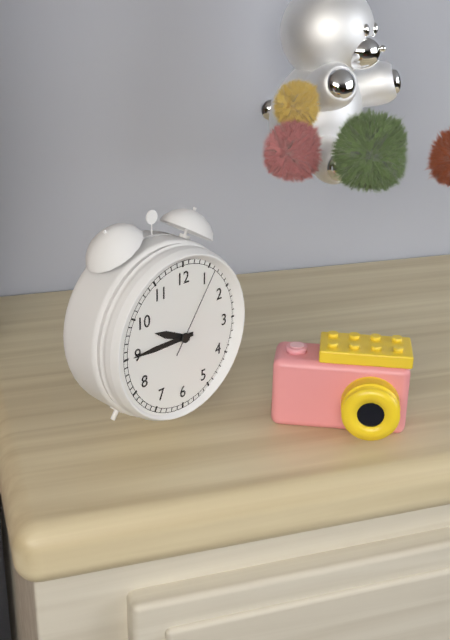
9:45:06
